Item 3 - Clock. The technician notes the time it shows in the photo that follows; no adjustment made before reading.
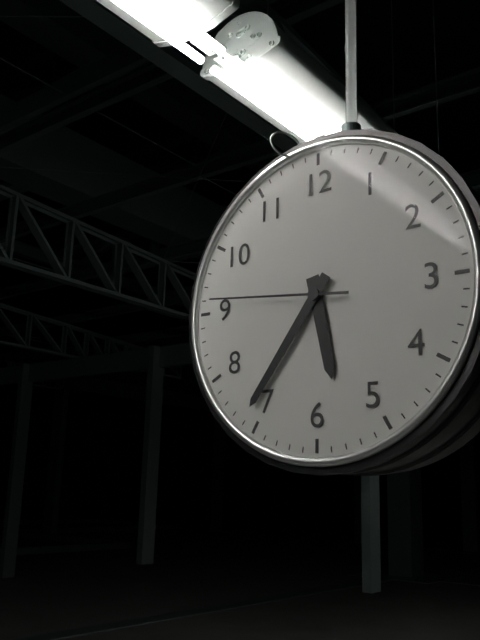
5:36:46
